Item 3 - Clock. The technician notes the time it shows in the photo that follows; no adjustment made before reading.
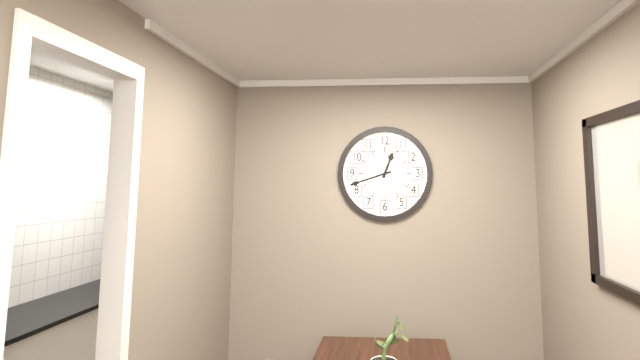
12:42
